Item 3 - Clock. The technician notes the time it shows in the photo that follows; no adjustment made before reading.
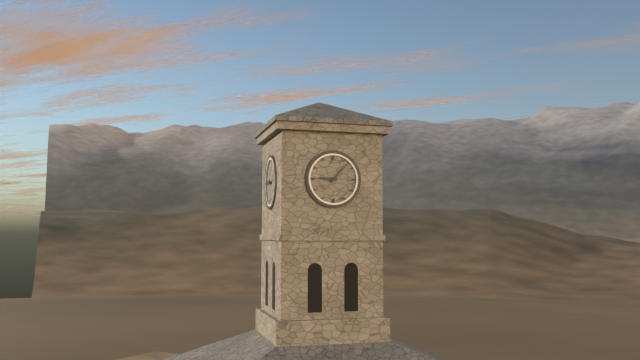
9:07
